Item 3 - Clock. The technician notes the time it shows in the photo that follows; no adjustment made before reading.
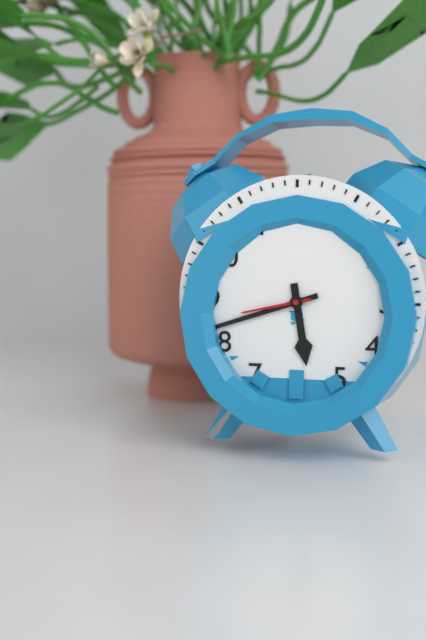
5:42:43
